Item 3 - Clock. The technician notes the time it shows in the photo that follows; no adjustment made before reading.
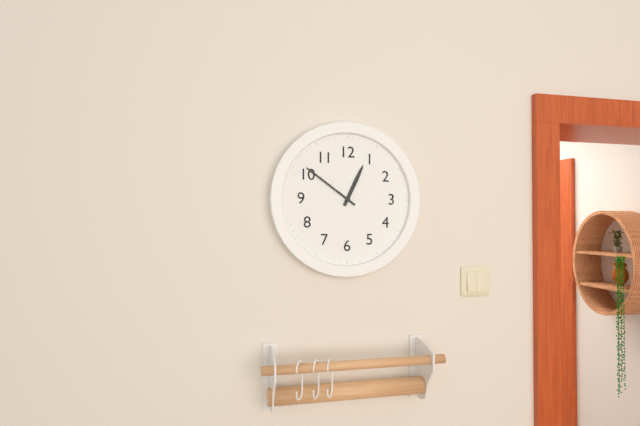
12:51
